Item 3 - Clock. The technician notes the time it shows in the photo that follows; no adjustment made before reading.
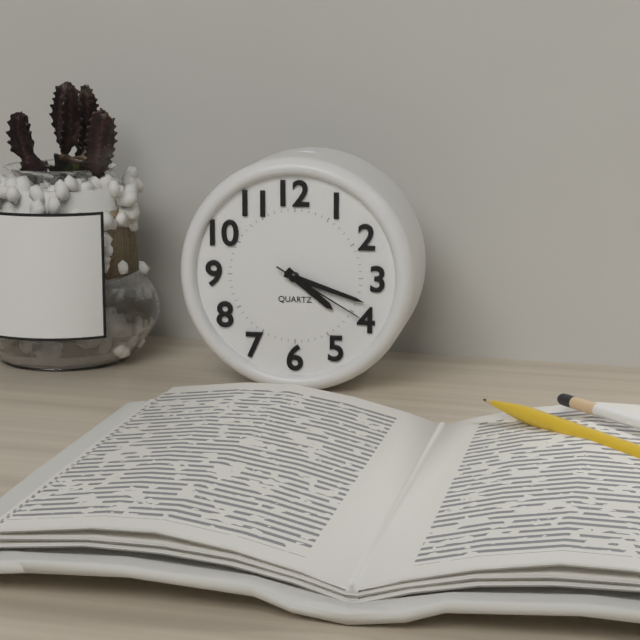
4:18:20
